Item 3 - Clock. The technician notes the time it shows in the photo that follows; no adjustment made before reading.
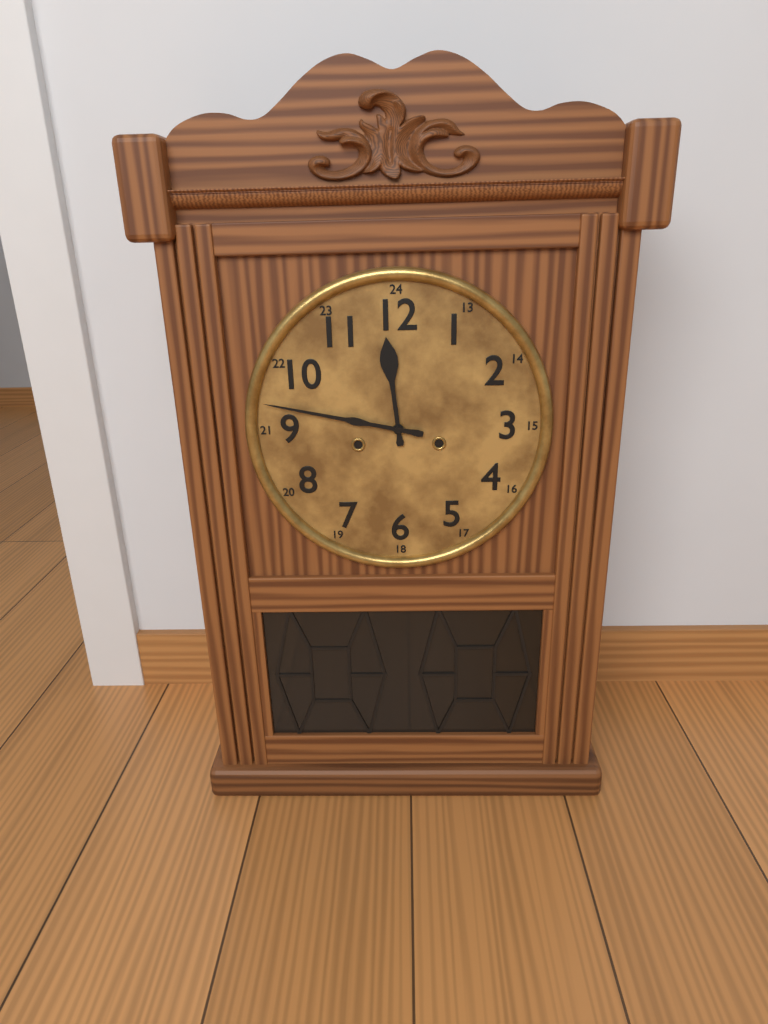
11:47
